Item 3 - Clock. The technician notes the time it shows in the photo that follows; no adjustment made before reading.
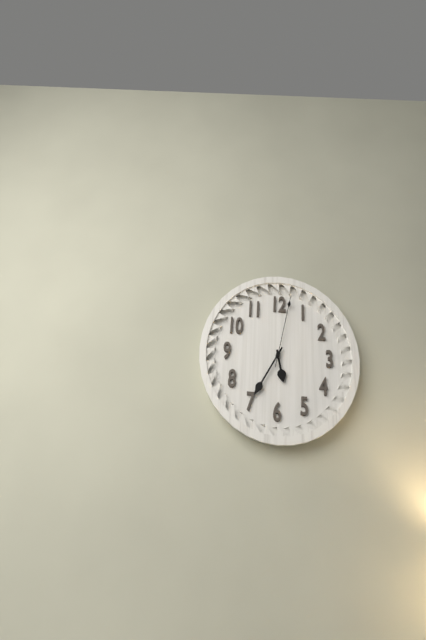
5:35:02
